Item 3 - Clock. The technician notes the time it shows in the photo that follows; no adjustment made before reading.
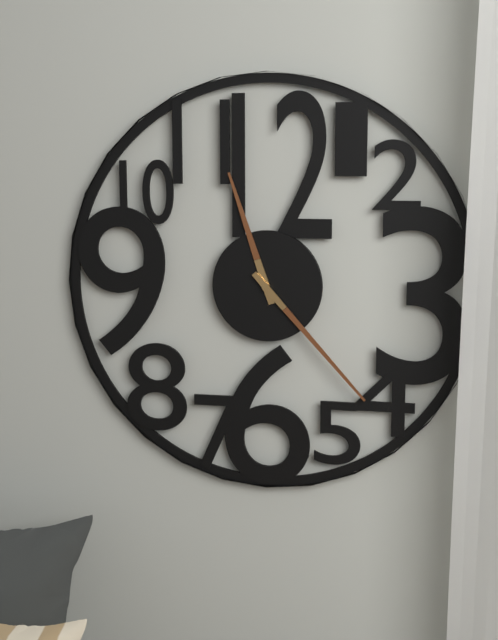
11:23
